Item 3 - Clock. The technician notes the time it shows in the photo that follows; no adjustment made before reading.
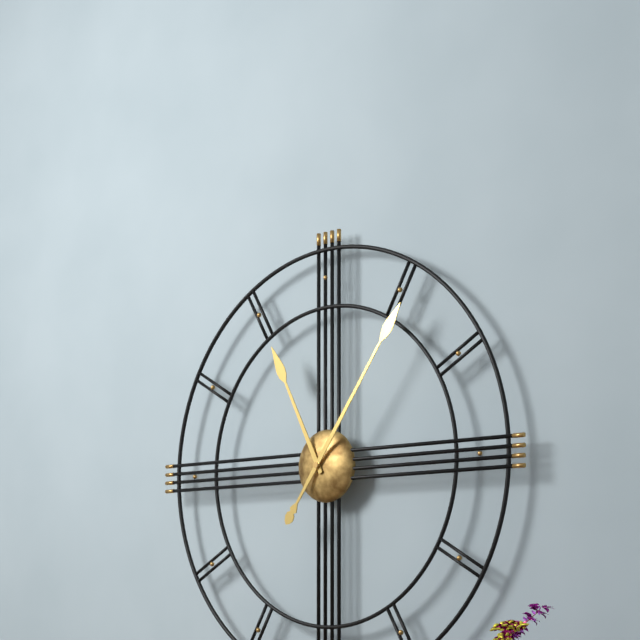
11:06
